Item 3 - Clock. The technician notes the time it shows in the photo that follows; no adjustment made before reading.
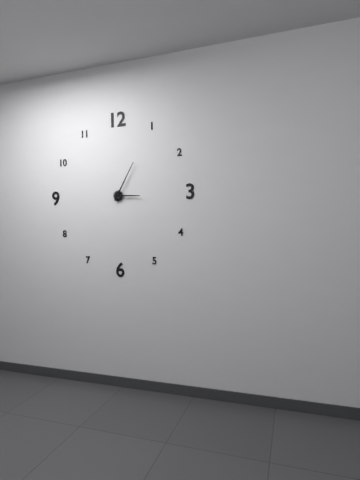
3:05
